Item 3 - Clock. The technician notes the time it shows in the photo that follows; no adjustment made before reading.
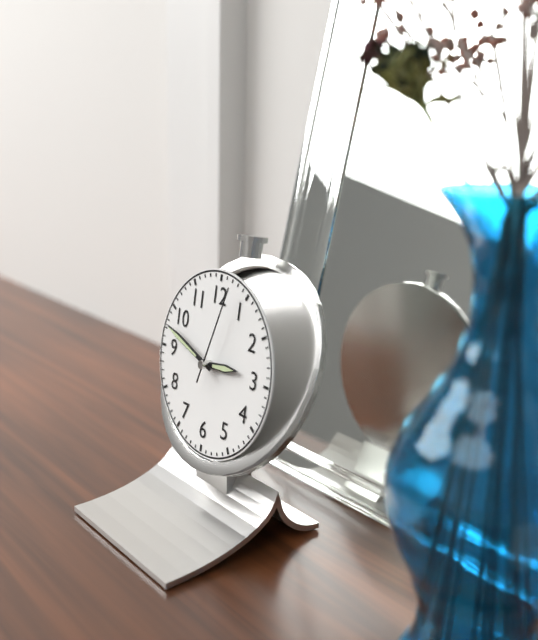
2:48:03
